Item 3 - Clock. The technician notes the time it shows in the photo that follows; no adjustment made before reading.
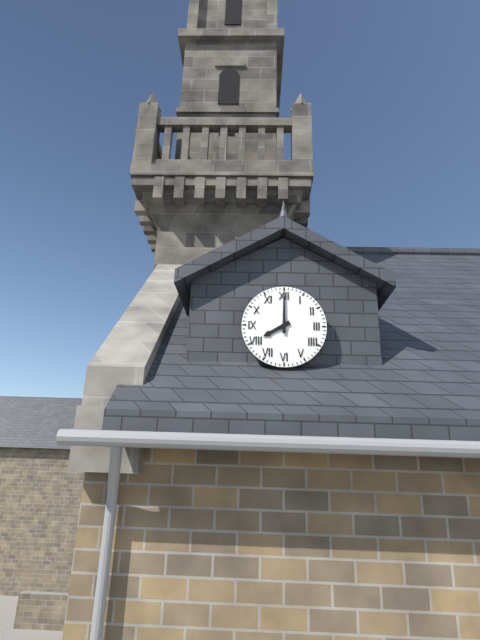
8:00
